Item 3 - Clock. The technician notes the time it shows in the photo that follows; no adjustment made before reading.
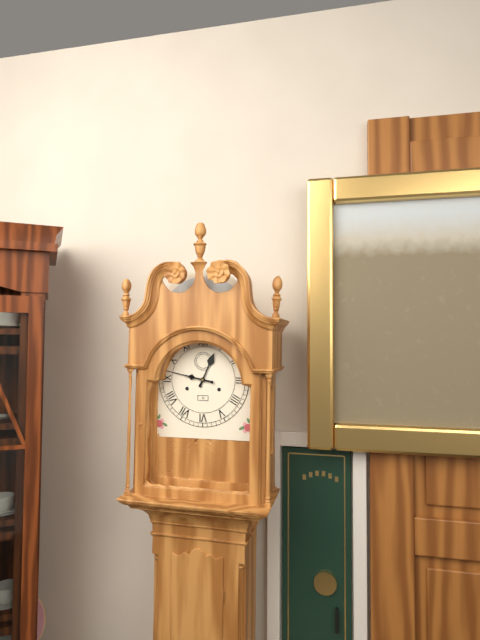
12:47
